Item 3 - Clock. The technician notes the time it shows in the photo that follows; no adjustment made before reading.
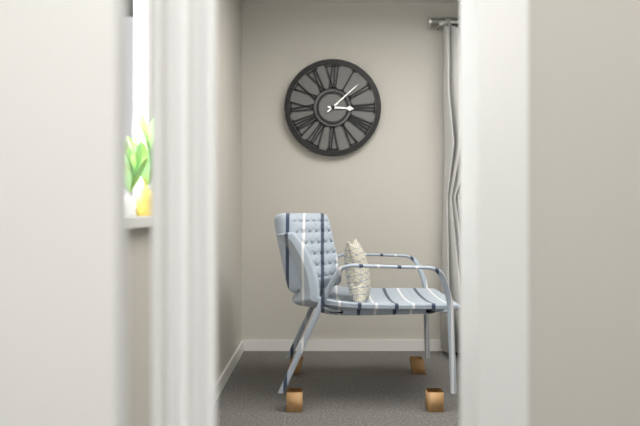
3:08
